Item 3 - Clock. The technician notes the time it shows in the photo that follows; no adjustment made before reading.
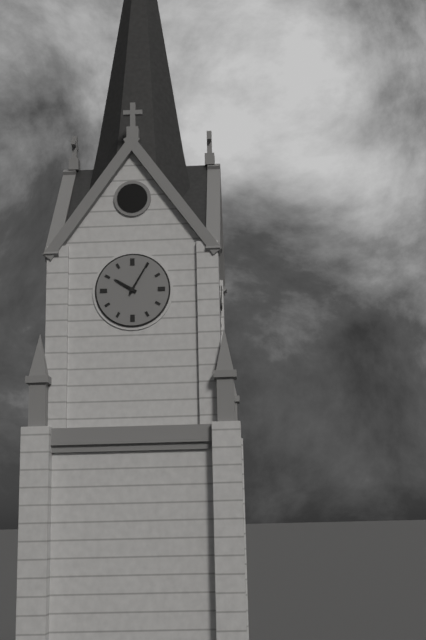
10:05
